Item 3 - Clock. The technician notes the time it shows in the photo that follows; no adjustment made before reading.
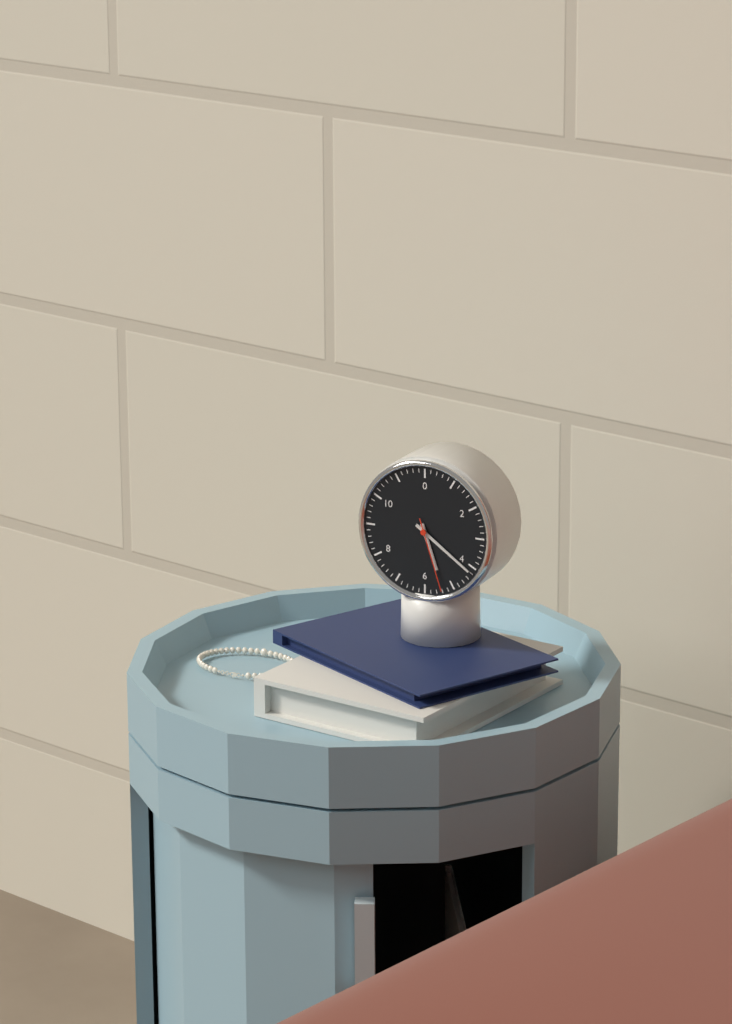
5:21:27
